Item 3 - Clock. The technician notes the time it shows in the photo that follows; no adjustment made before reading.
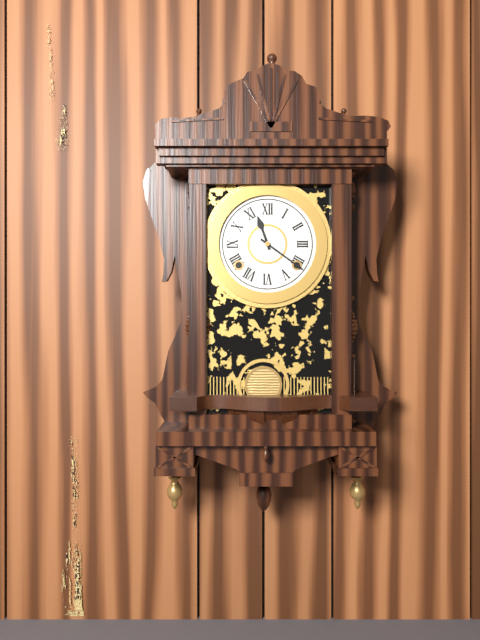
11:21
